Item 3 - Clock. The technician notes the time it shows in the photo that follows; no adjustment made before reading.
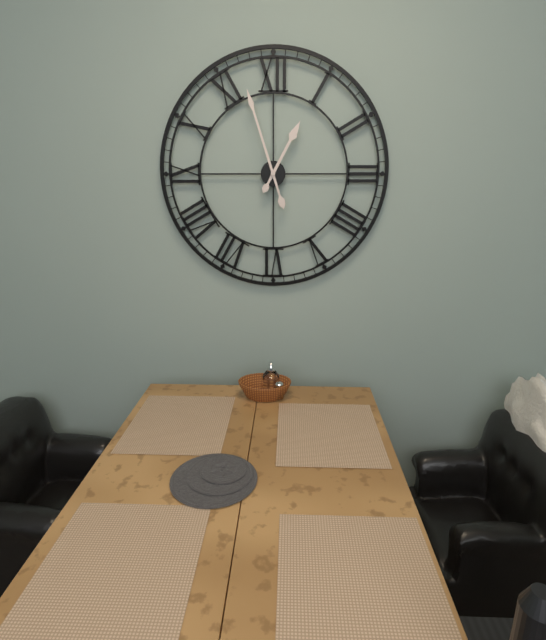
12:57
